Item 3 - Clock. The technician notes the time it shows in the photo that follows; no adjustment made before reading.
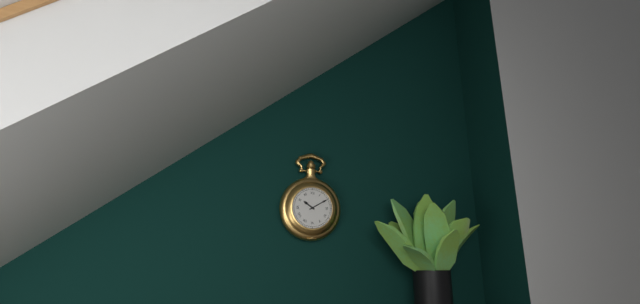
10:10
